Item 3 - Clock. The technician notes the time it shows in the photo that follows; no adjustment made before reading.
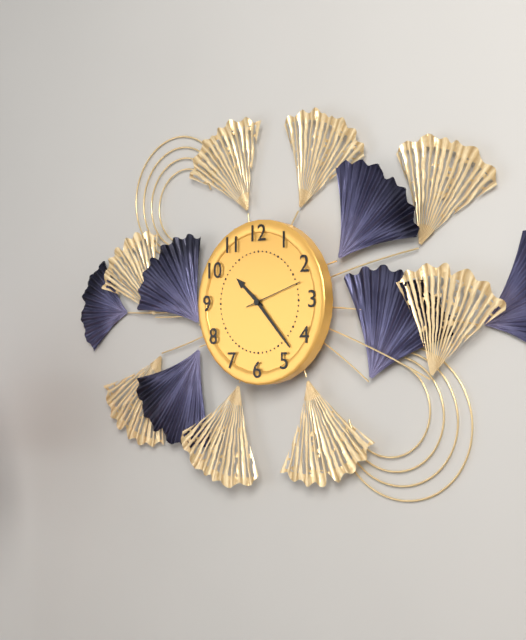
10:23:12
